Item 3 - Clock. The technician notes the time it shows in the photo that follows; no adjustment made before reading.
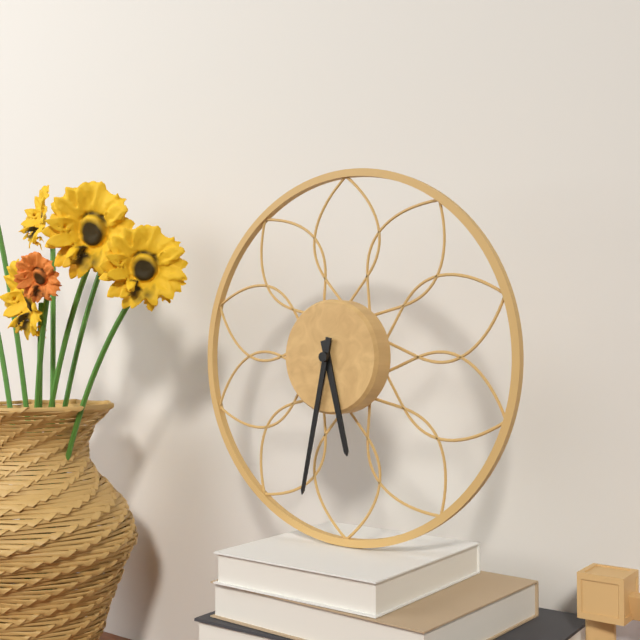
5:32
